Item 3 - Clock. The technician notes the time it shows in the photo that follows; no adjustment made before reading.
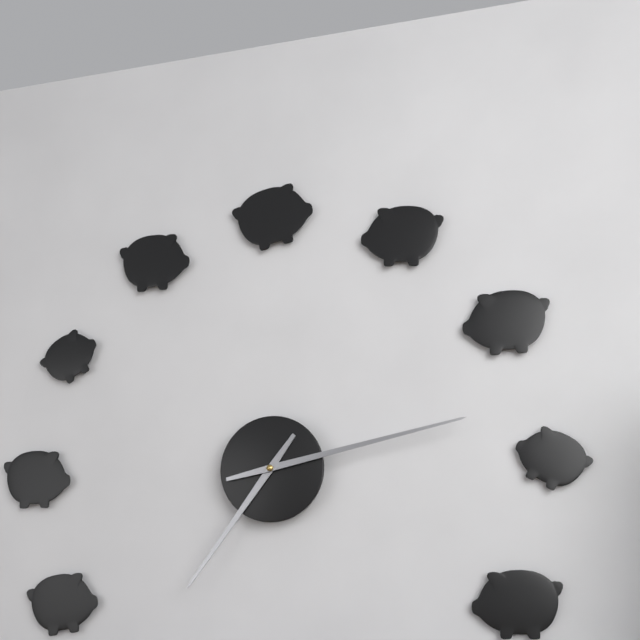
7:13
